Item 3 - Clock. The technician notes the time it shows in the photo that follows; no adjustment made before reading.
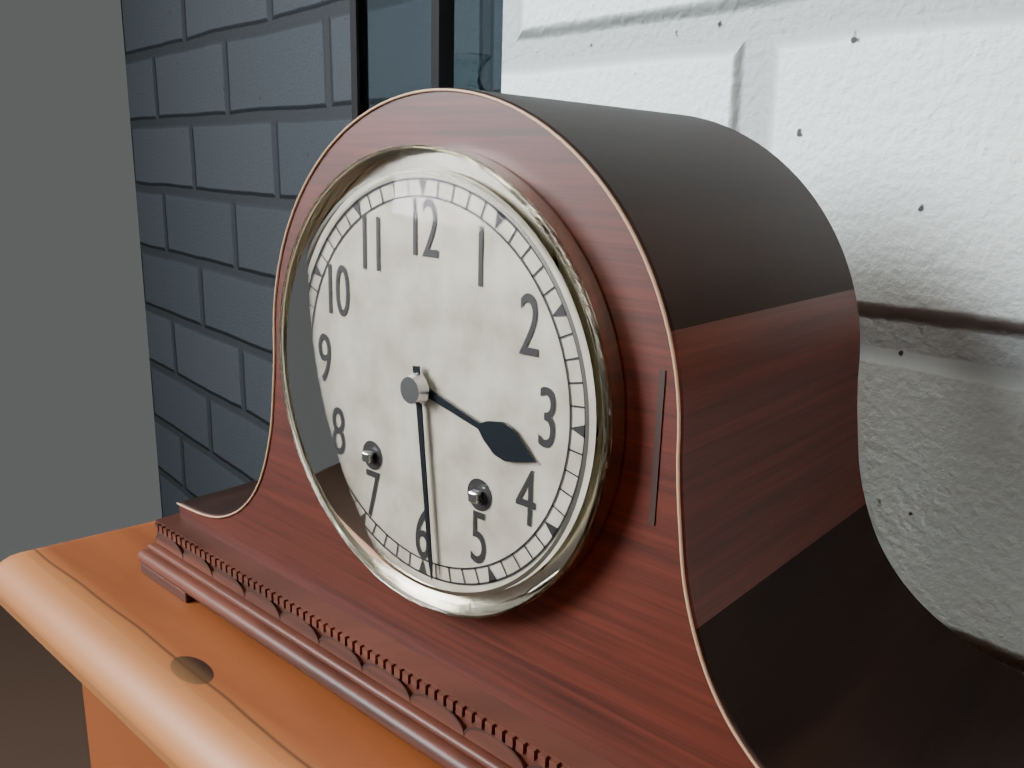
3:29
